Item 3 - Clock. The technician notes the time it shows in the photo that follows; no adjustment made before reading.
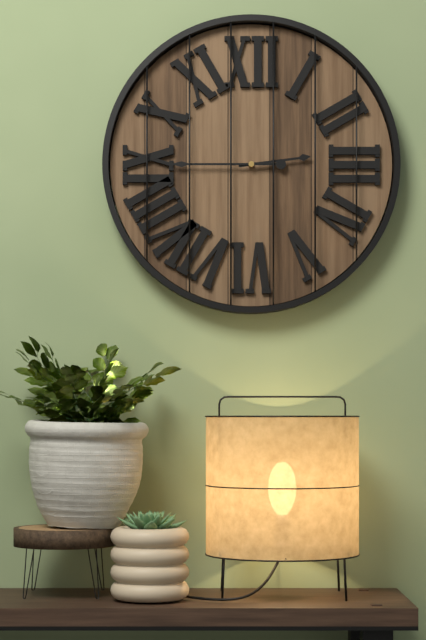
2:45
